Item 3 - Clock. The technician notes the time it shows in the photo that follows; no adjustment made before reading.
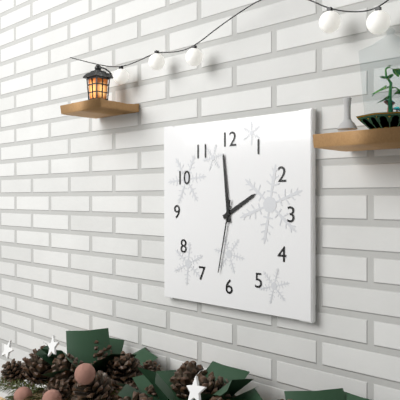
1:59:32
